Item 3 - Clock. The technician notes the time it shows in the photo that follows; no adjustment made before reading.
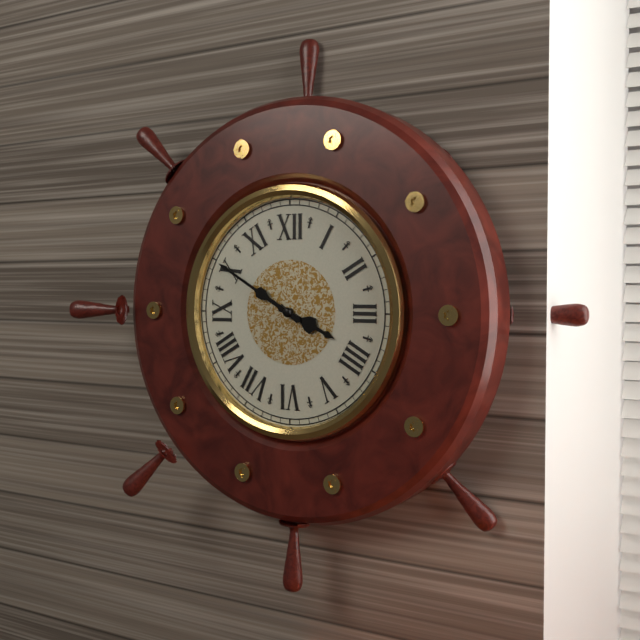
3:50
